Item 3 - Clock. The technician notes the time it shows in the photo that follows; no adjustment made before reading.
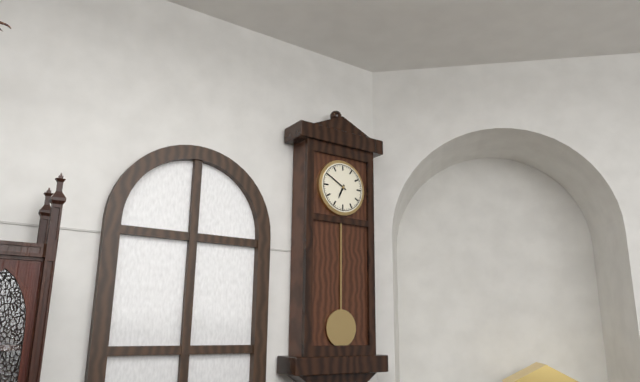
6:50
